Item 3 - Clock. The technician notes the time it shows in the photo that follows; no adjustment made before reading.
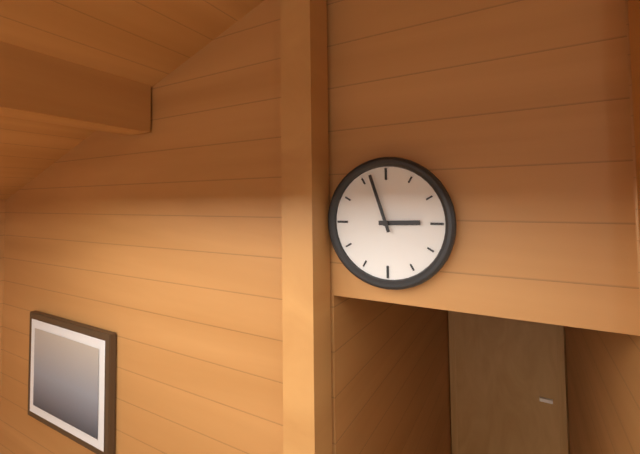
2:57
